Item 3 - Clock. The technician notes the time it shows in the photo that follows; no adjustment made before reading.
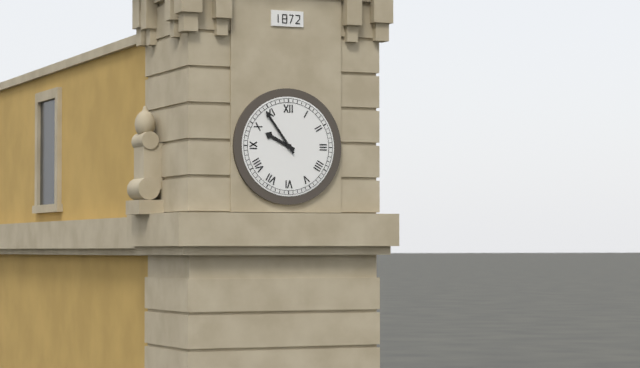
9:54
